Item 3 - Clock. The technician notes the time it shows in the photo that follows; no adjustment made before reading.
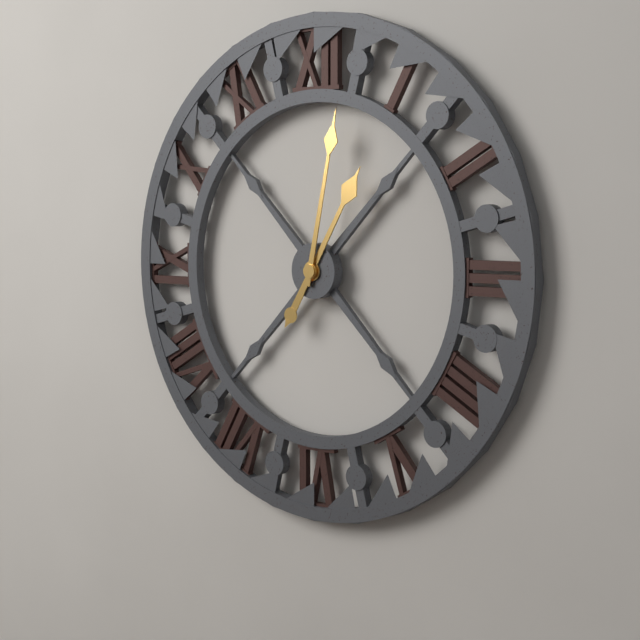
1:02
